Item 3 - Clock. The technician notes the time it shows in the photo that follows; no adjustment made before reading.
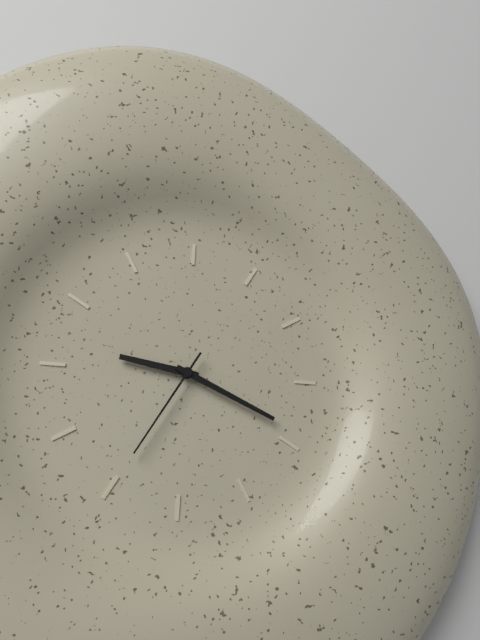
9:19:35
